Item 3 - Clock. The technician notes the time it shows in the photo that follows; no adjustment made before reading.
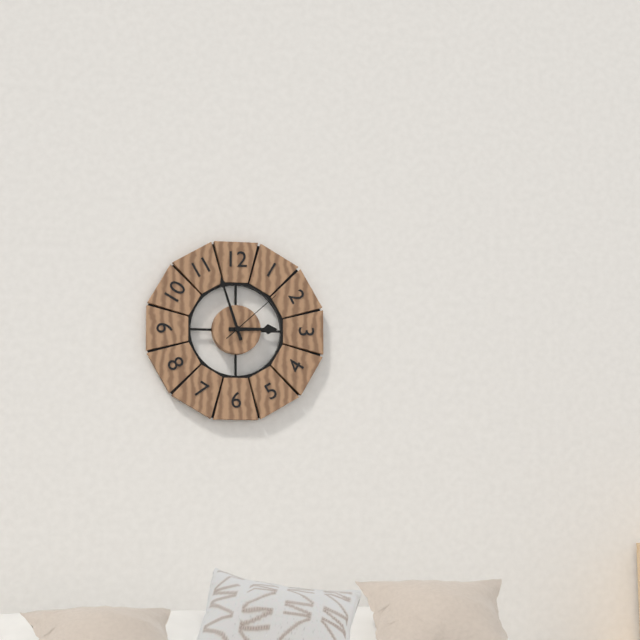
2:57:08
